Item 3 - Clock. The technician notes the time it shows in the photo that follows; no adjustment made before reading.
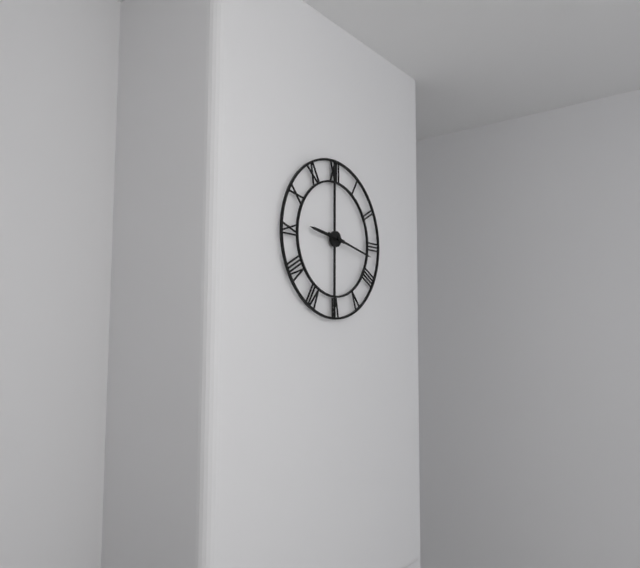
9:17
